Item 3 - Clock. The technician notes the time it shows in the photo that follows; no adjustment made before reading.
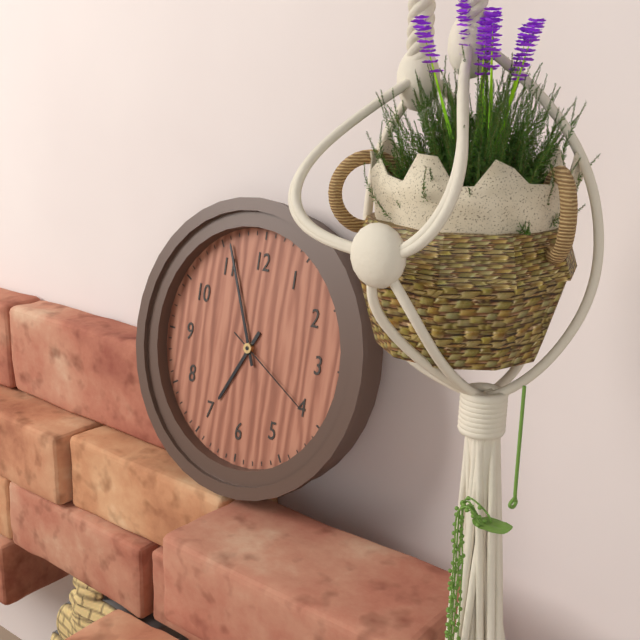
6:56:20
